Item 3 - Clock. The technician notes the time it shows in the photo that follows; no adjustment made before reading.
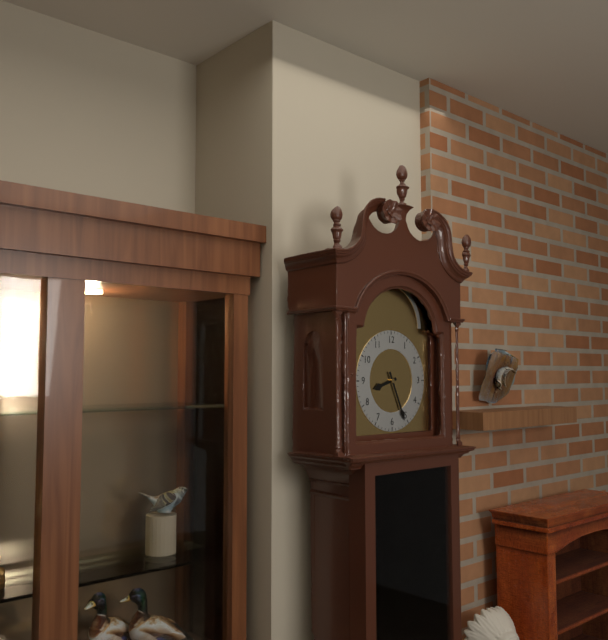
8:26
